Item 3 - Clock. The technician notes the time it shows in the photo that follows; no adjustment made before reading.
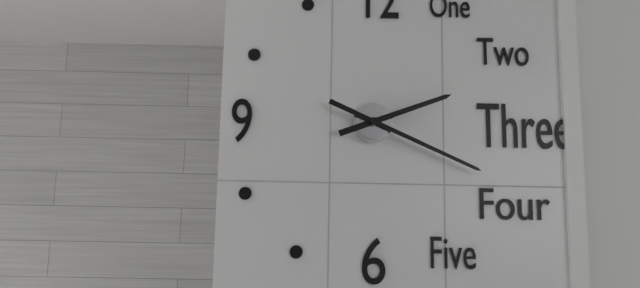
2:19
